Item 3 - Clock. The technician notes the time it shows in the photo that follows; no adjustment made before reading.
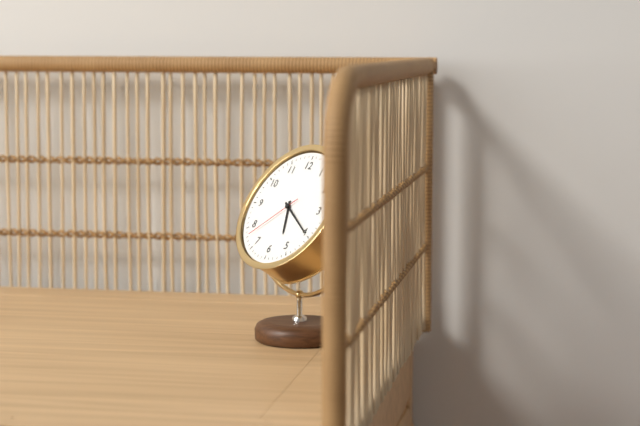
5:20:38
